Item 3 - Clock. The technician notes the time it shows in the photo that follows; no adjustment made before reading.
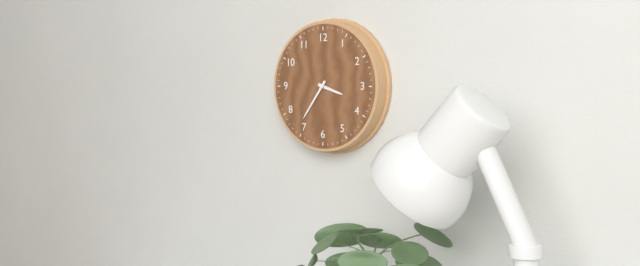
3:36
